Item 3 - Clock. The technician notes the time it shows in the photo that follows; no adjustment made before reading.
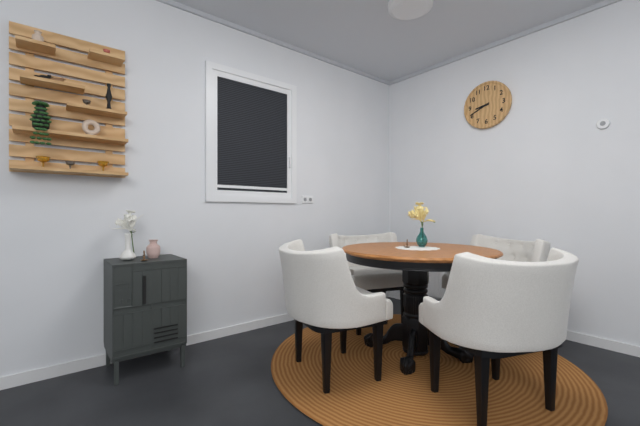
8:41
